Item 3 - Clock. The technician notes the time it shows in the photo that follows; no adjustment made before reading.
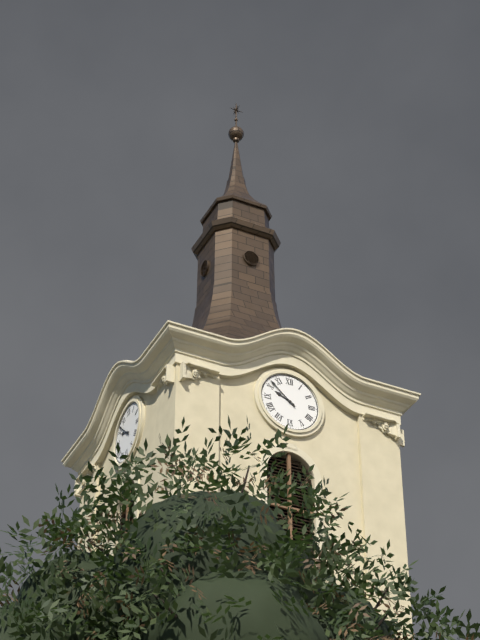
9:52
